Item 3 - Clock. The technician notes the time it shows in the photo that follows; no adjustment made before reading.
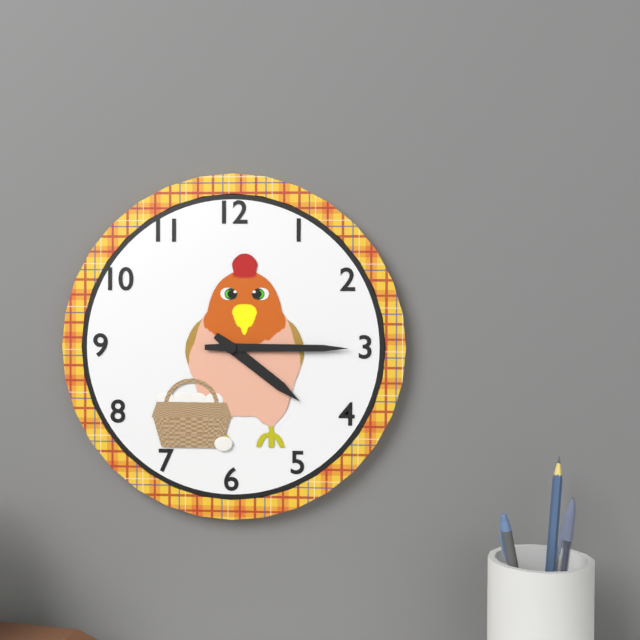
4:15
